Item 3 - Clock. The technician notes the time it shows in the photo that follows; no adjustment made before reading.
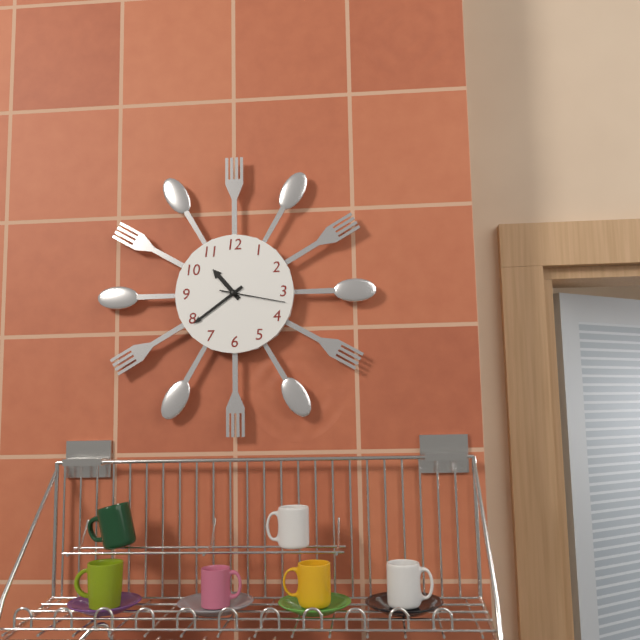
10:39:17
